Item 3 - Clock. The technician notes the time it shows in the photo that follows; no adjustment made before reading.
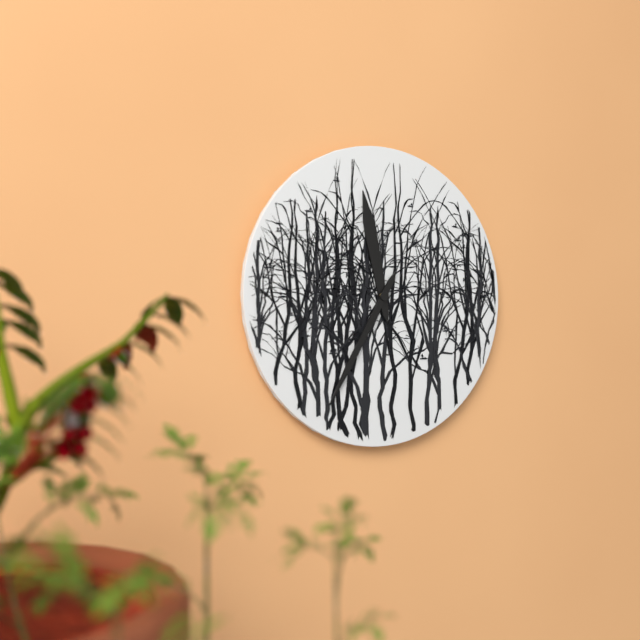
11:35
